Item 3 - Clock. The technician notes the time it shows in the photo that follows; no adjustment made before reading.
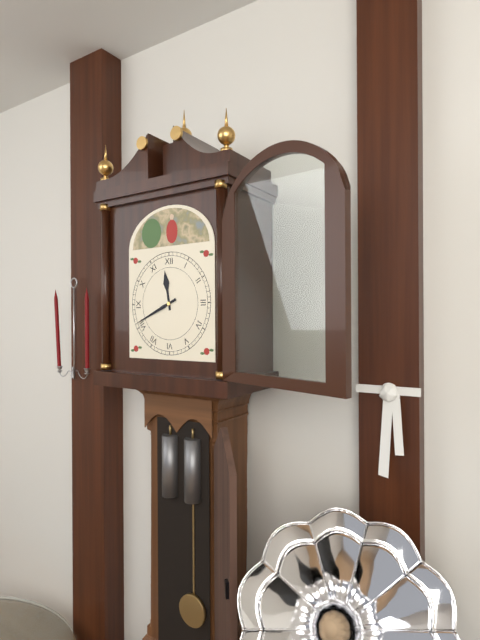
11:41
